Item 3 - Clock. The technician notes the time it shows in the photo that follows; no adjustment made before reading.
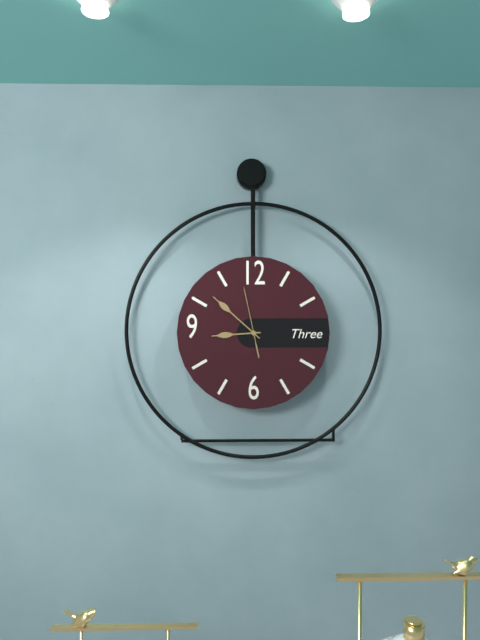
8:52:58
